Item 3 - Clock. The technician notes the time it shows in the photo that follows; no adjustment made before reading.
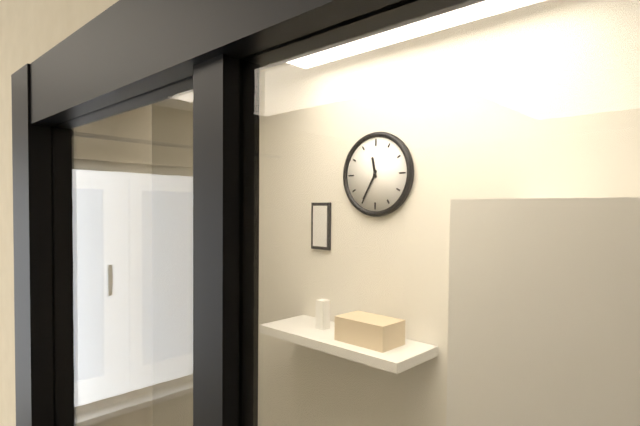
11:35
